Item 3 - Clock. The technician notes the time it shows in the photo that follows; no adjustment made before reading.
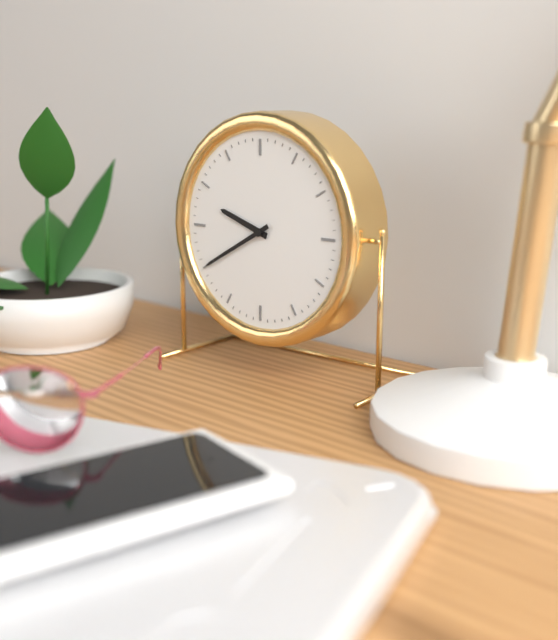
9:40
